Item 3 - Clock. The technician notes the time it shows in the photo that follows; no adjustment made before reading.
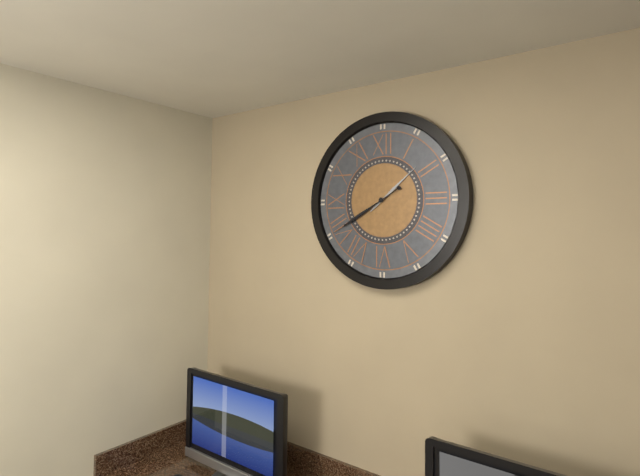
1:40
